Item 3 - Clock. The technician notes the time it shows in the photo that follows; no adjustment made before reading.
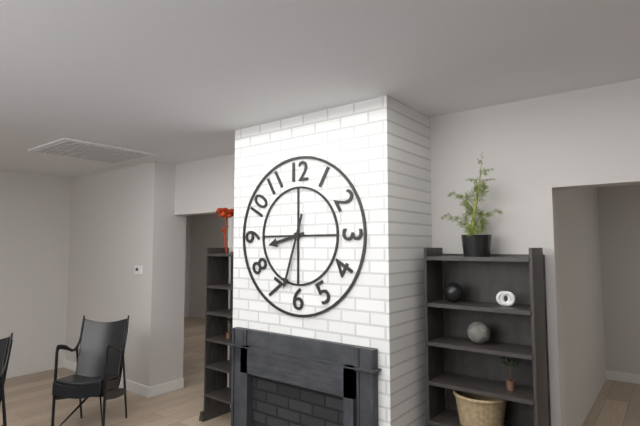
8:33
